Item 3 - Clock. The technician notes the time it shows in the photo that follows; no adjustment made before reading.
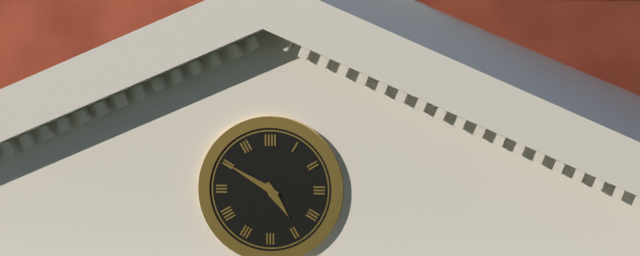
4:50
